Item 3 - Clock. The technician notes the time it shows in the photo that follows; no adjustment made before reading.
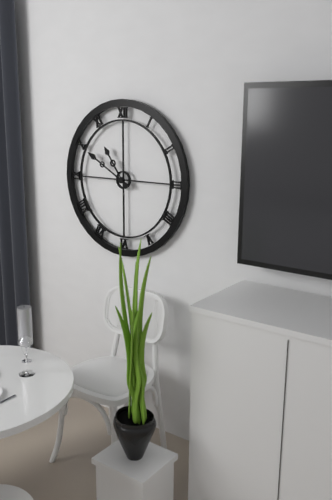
10:50
